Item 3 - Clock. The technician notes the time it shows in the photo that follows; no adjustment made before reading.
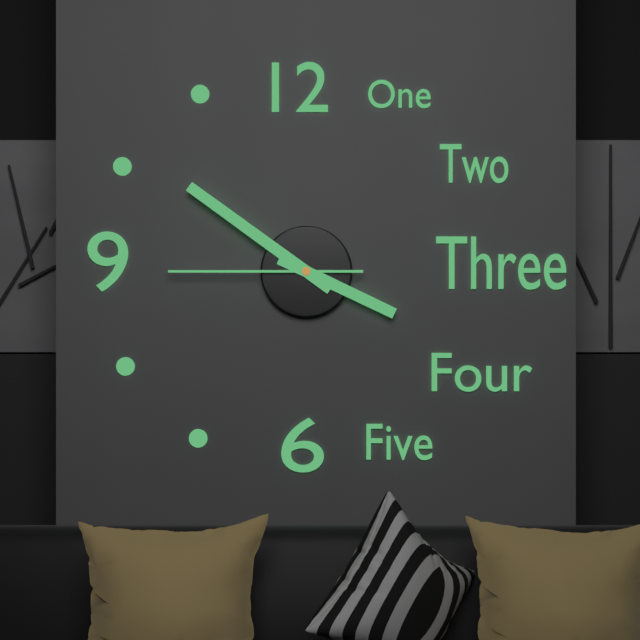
3:51:45
